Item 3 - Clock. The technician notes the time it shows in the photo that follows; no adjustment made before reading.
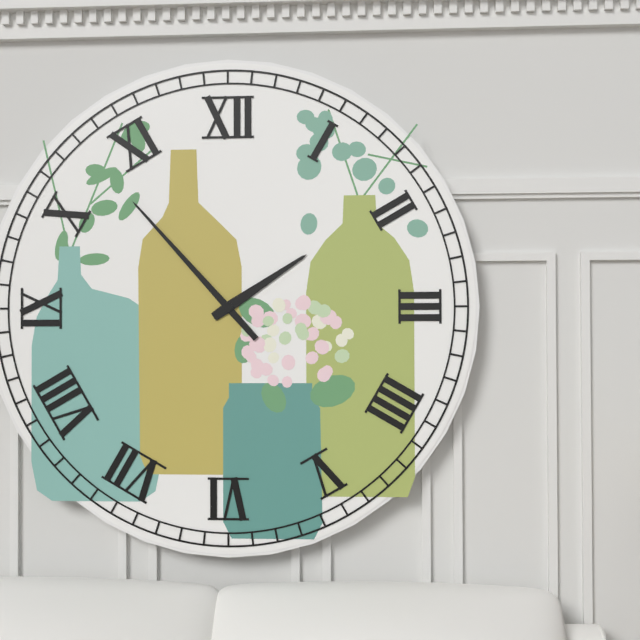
1:53
